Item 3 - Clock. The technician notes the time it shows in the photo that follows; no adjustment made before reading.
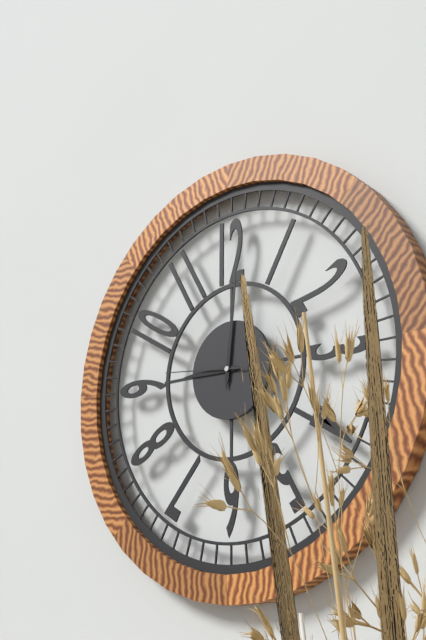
9:01:46
